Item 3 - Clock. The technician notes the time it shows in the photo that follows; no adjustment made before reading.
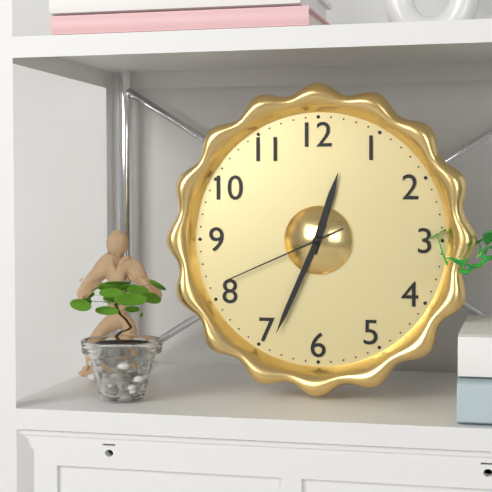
12:34:41
